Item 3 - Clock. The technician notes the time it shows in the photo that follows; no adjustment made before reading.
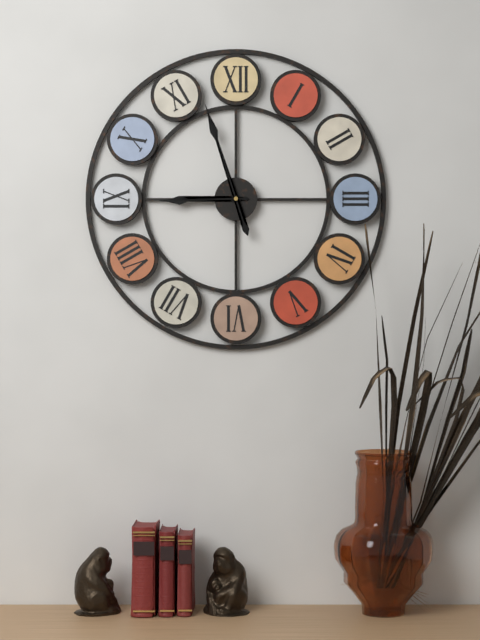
8:57
